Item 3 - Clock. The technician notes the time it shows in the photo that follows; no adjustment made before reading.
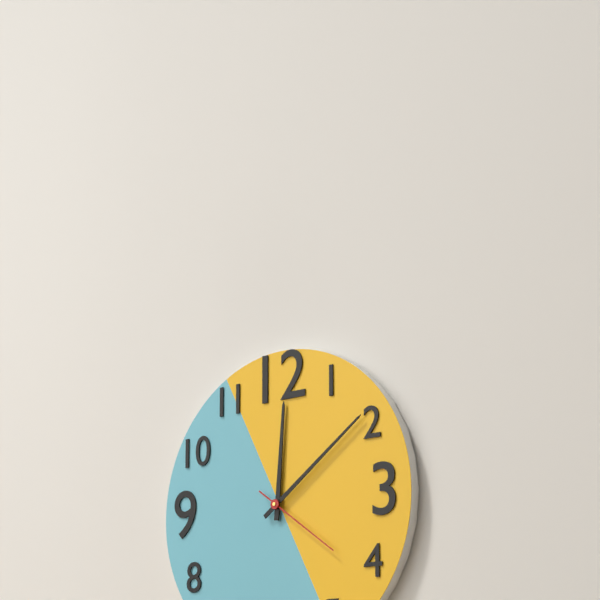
12:09:21
